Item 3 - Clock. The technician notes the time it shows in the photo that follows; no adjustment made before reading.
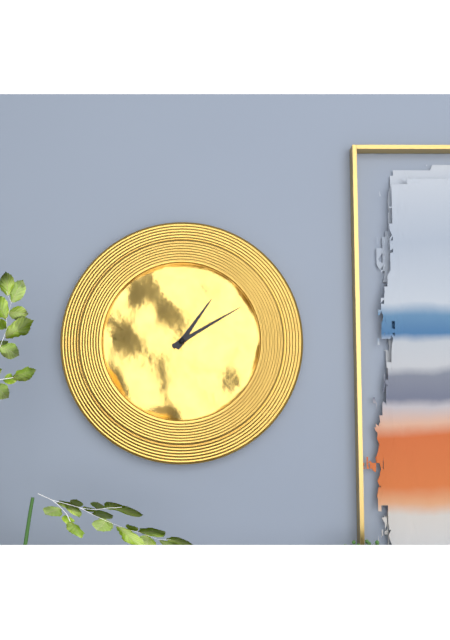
1:10
